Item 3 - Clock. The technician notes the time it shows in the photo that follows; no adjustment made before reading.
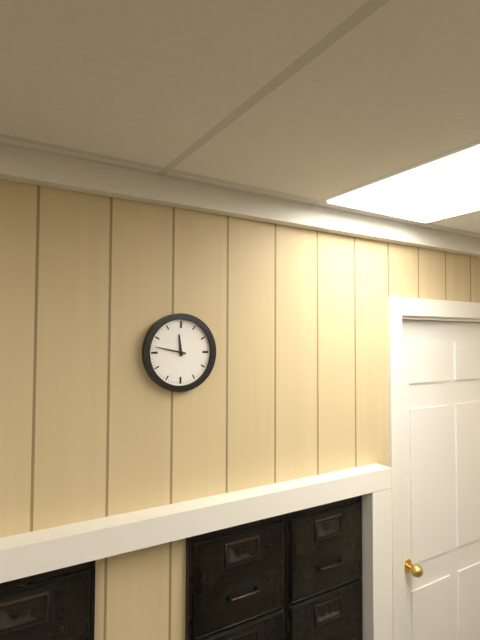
11:47
